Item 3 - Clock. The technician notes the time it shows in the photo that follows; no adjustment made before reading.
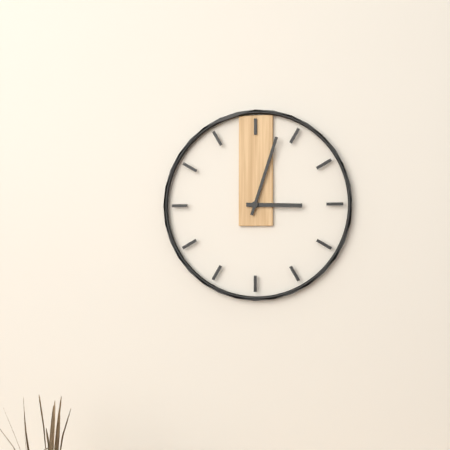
3:03
